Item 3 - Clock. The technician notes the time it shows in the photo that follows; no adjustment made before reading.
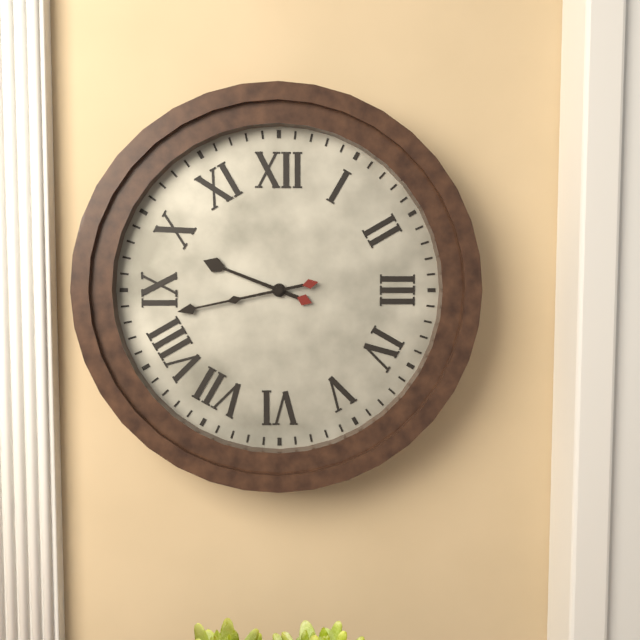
9:43
